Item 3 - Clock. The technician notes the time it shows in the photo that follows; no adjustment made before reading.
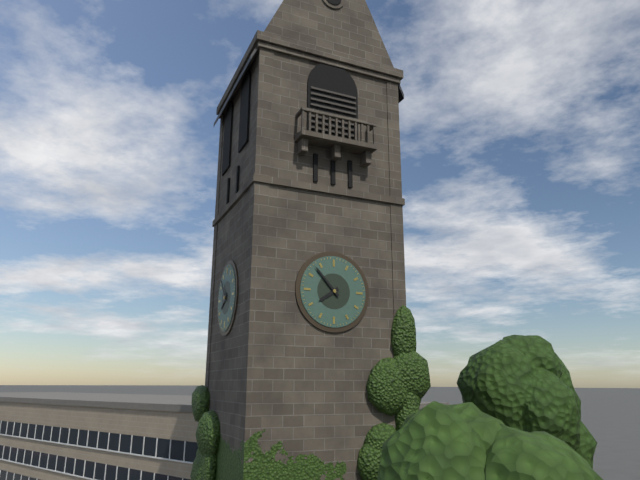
7:53
